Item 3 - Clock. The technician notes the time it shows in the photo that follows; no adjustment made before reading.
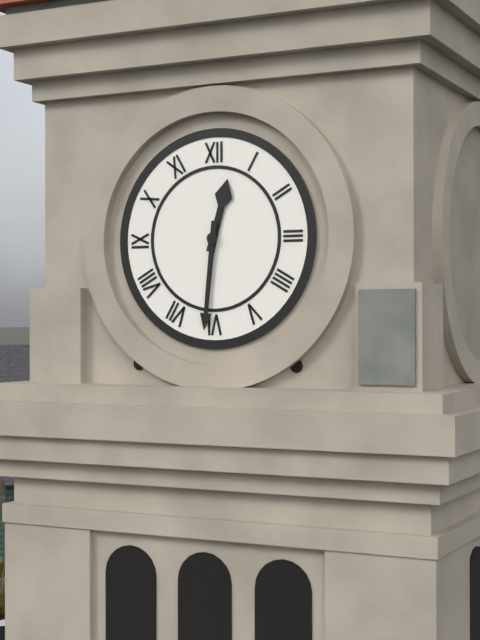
12:31
